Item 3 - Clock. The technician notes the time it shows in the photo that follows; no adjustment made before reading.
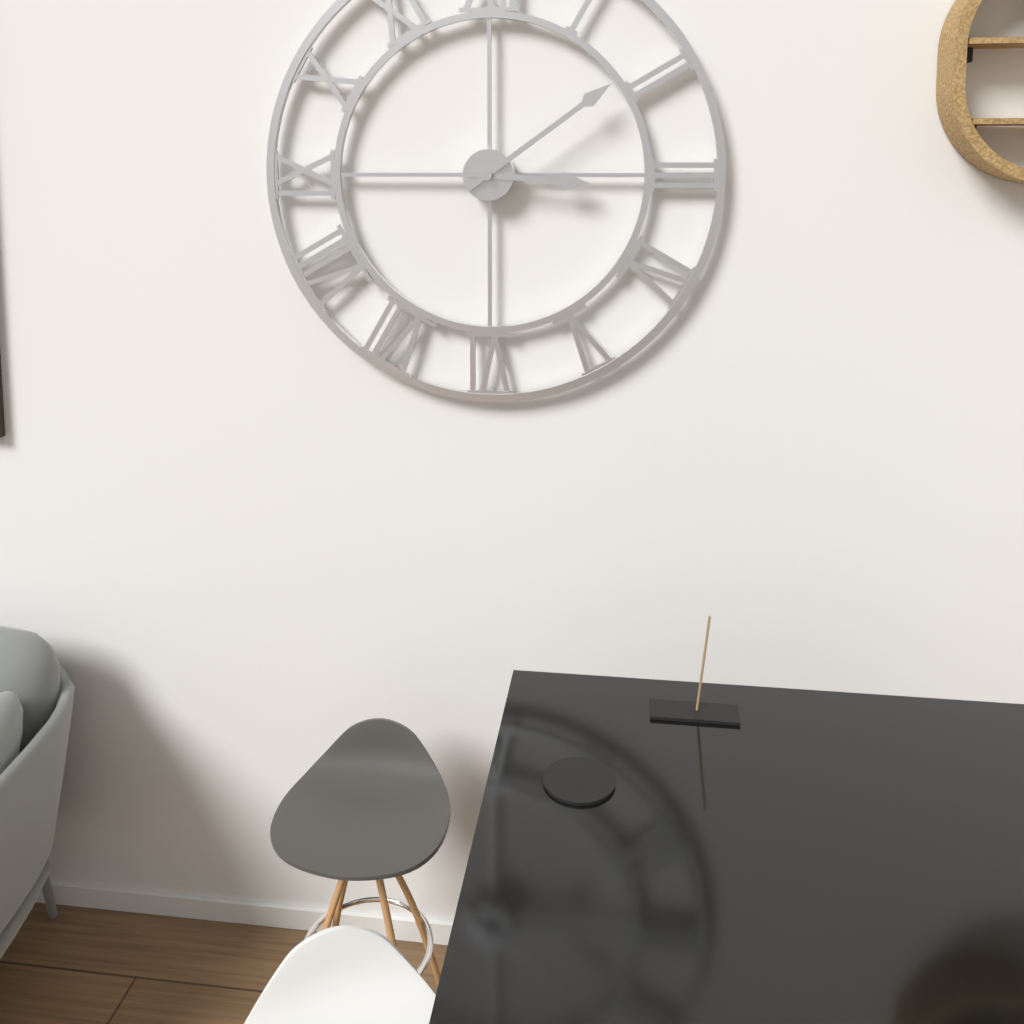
3:09
